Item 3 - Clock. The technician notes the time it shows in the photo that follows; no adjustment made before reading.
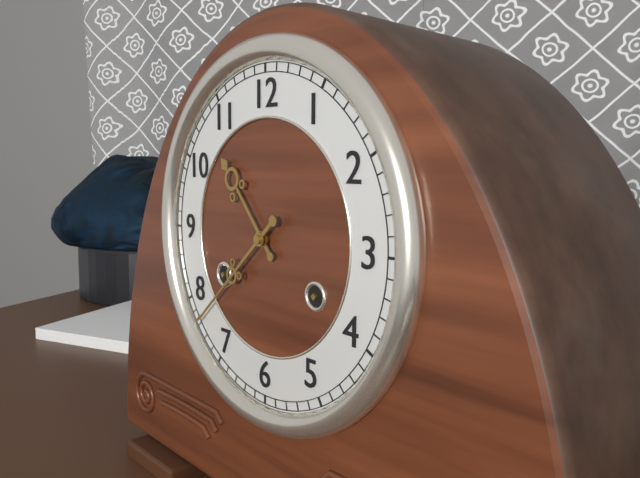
10:38
